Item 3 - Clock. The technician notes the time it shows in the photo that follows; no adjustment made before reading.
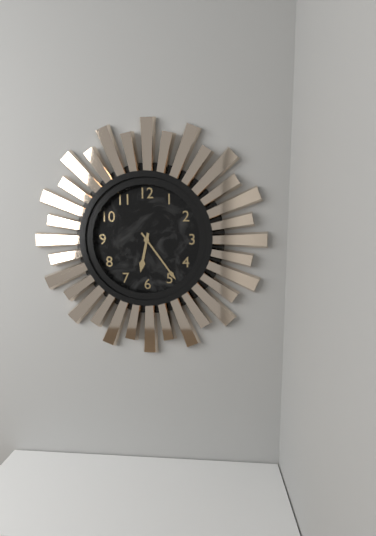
6:24
